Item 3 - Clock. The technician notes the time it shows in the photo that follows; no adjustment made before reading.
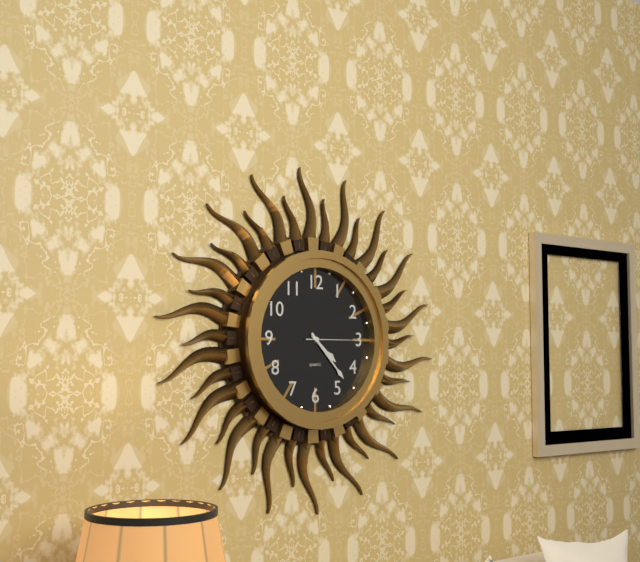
4:23:15
